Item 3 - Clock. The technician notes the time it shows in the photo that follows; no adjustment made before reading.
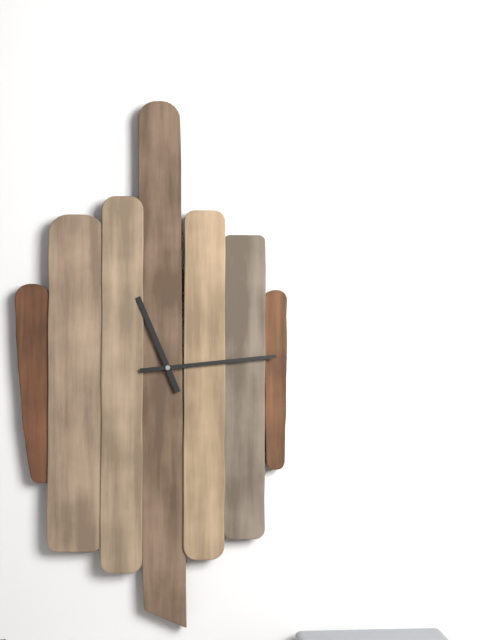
11:14
